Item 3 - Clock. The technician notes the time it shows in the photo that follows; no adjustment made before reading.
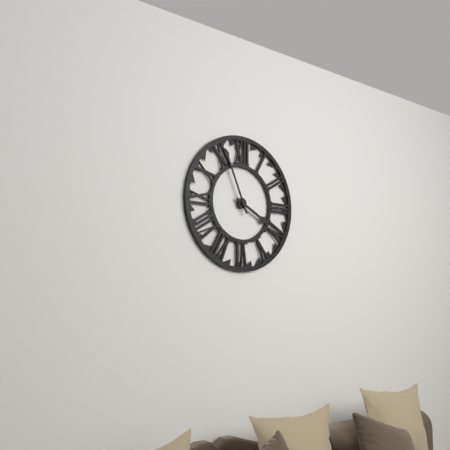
3:56
